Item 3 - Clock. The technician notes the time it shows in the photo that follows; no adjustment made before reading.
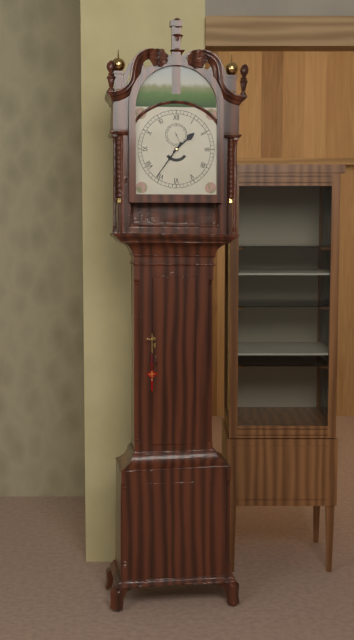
1:36
